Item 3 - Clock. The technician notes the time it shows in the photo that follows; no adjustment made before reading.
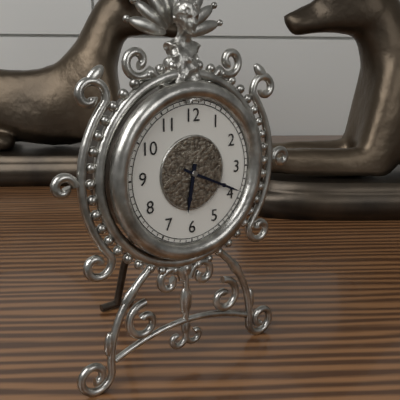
6:19
